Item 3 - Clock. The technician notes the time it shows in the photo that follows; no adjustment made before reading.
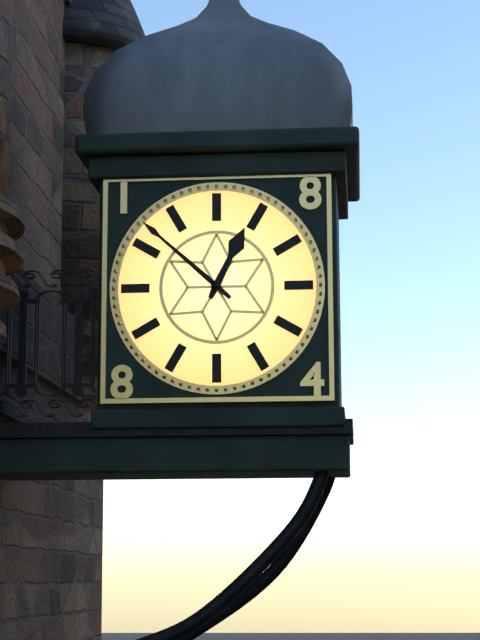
12:52
